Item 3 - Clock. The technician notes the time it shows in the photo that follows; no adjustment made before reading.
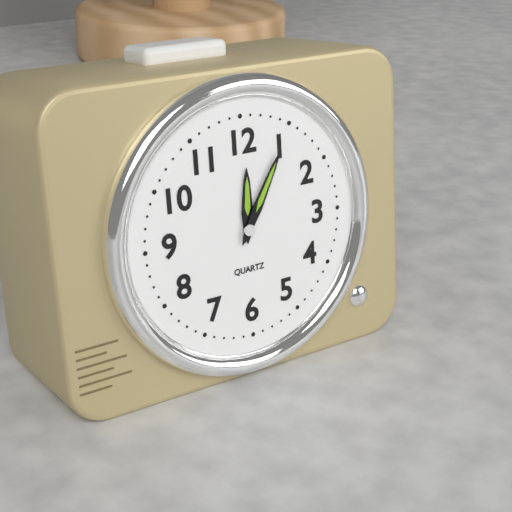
12:05
